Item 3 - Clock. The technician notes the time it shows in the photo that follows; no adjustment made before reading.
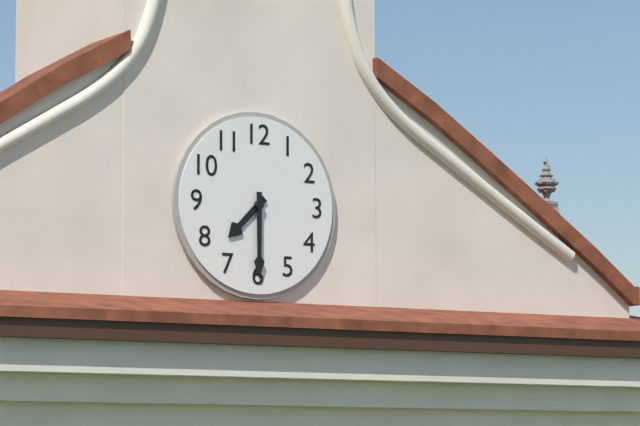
7:30
